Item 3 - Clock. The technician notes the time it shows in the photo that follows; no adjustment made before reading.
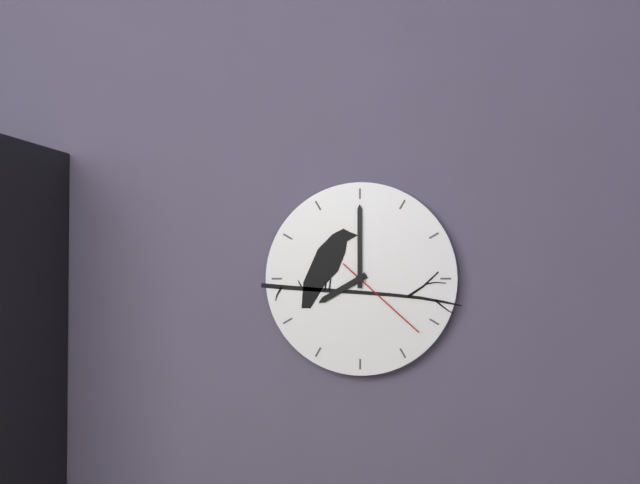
8:00:22
